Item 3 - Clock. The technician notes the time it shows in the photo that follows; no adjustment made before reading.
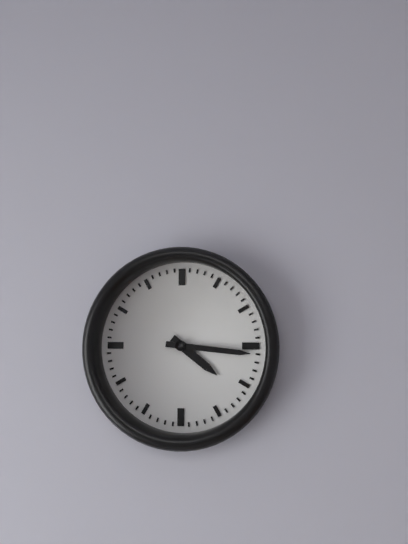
4:16
